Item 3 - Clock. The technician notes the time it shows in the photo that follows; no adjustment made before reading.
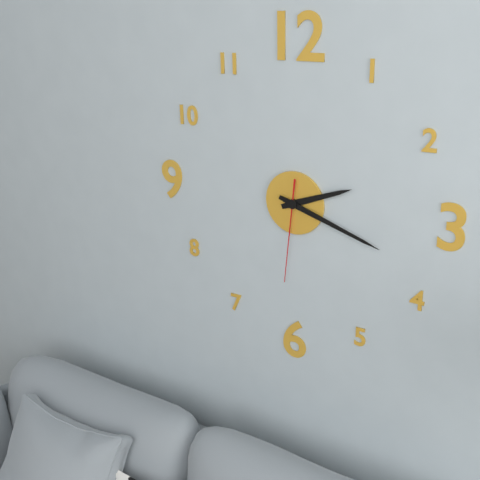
2:18:31
